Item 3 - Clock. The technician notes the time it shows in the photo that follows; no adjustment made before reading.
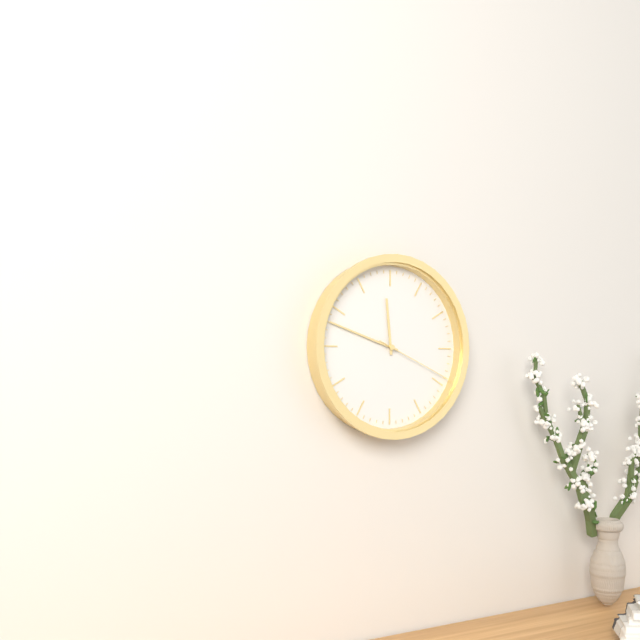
11:48:19
